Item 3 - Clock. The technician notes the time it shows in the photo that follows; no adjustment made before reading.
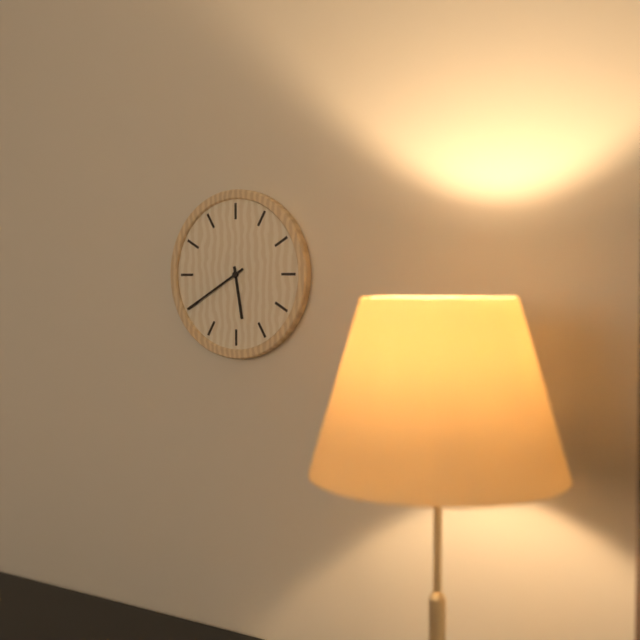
5:40
